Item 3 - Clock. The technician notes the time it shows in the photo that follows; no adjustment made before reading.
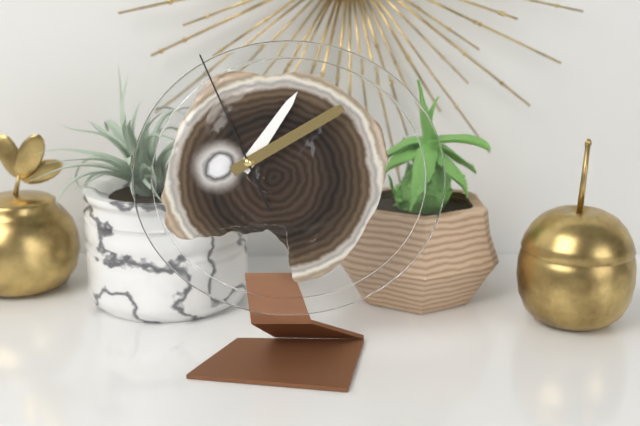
1:10:56
